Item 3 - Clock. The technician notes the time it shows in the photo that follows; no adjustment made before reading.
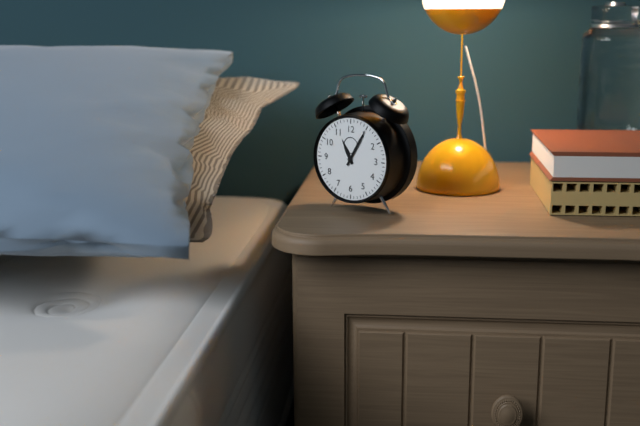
11:05
